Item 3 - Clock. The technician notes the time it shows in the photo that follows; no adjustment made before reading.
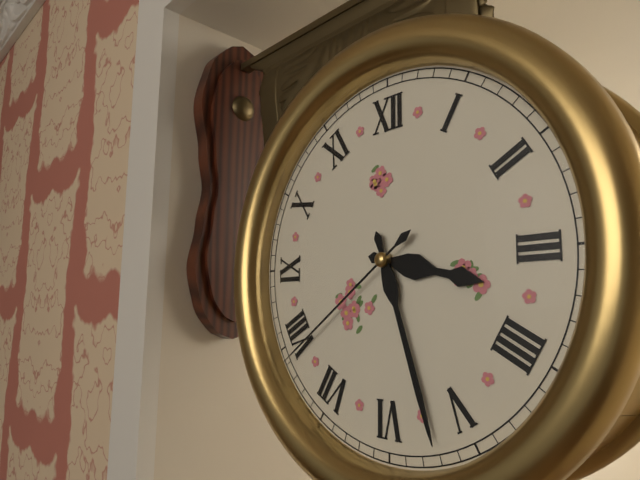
3:27:39
